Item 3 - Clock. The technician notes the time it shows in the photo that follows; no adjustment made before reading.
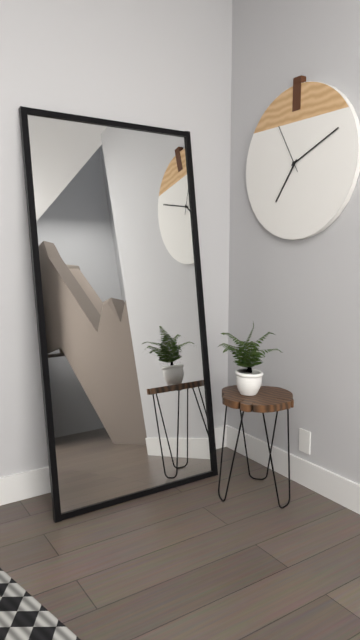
7:11:55
